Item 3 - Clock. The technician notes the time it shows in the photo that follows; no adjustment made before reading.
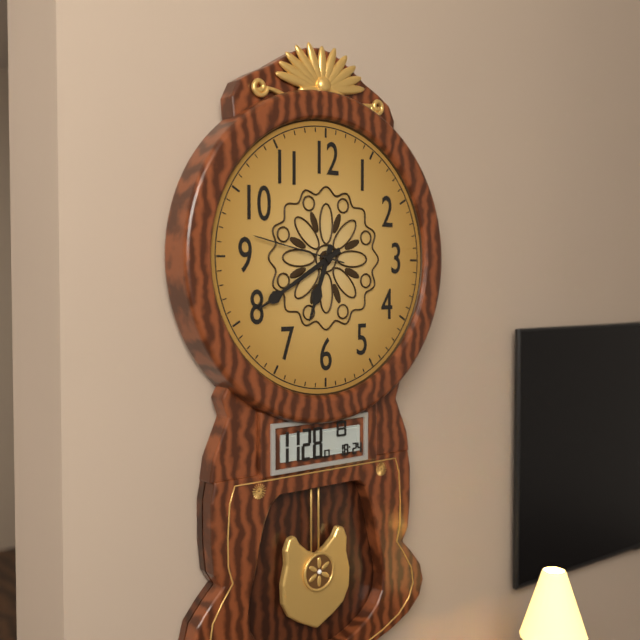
6:40:47
